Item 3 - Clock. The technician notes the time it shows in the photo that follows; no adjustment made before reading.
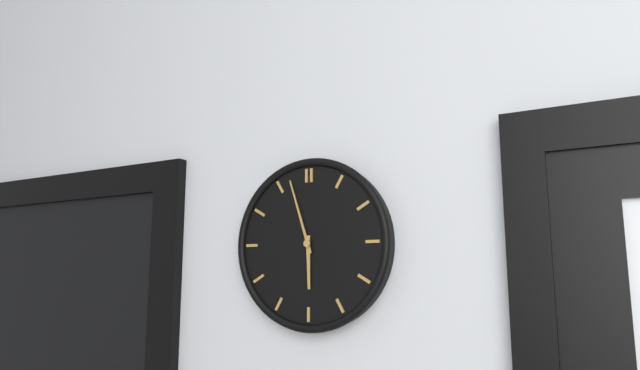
5:57
